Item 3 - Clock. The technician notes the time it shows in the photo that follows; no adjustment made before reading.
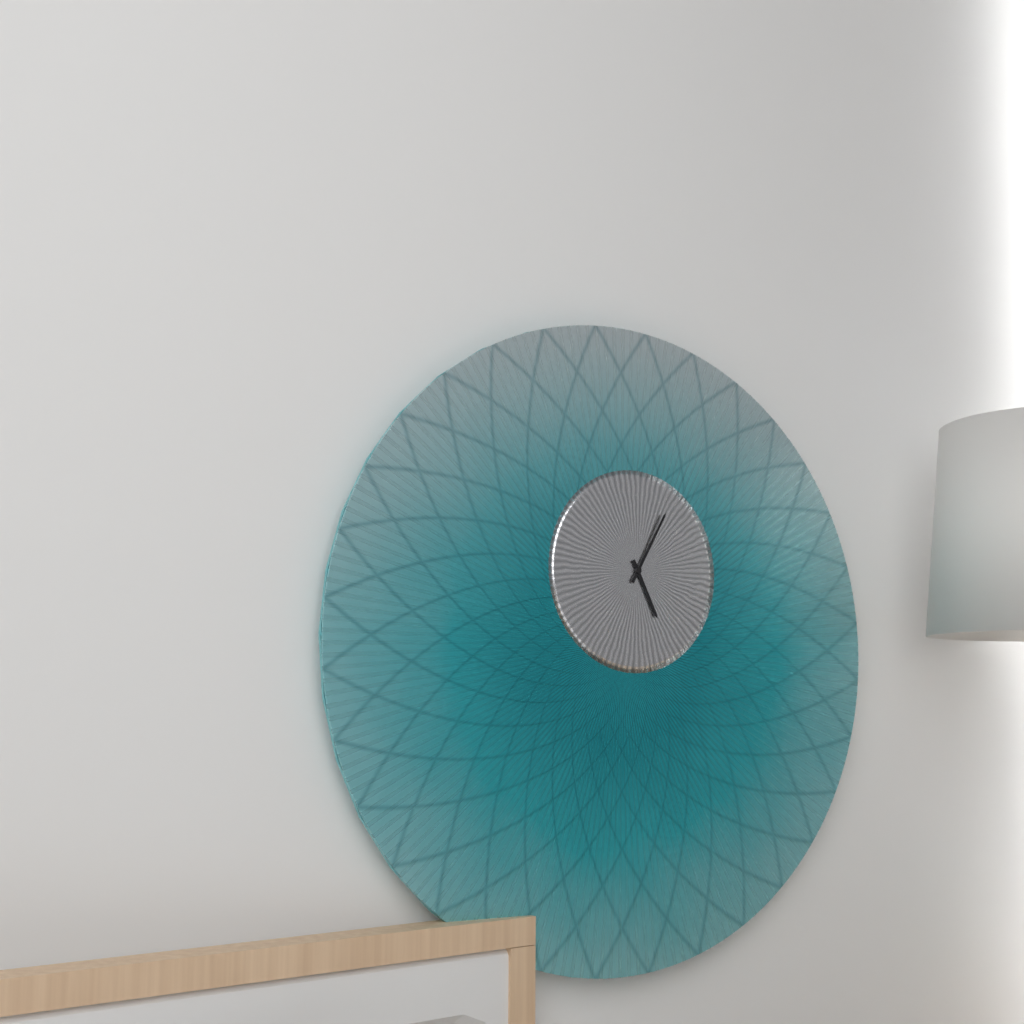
5:05
